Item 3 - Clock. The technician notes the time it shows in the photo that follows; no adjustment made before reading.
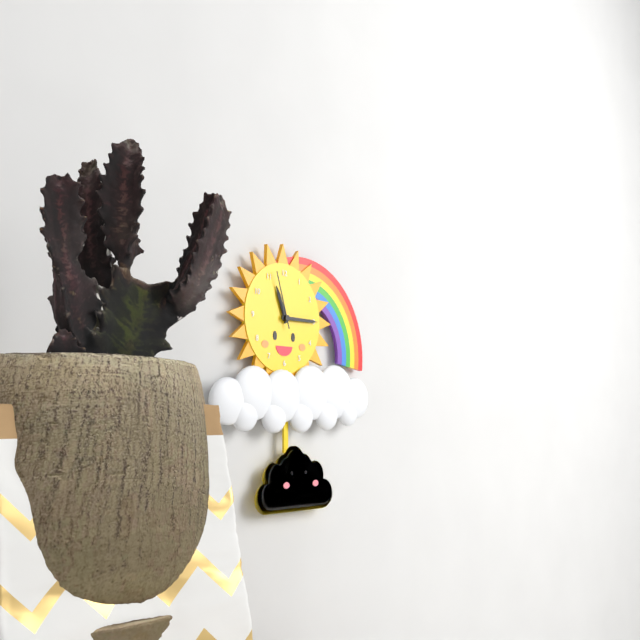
11:15:57
